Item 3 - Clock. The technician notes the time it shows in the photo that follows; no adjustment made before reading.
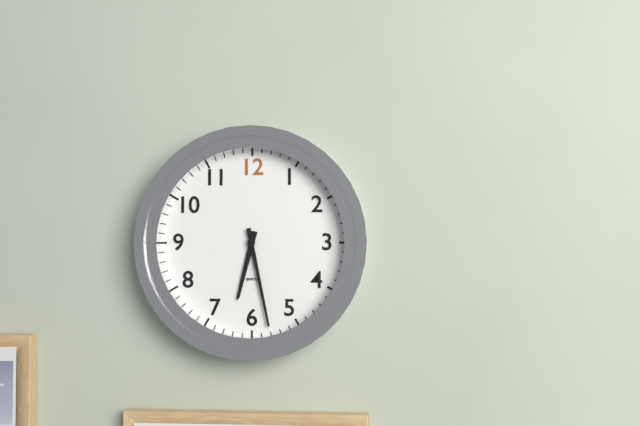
6:28
